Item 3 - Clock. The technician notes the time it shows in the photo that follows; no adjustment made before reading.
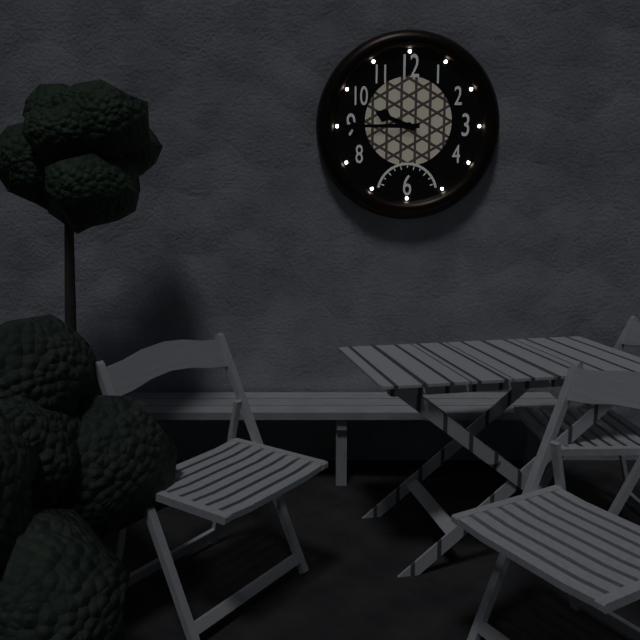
9:45
